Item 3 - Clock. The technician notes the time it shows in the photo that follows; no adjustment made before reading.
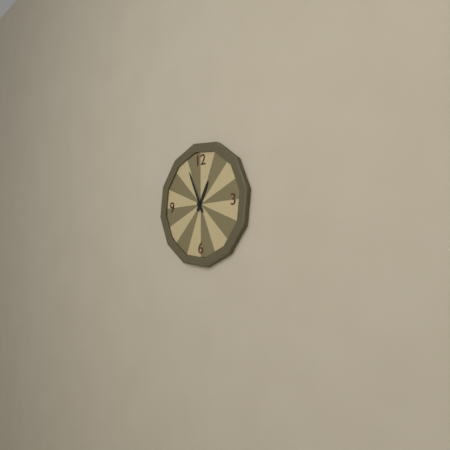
12:56
